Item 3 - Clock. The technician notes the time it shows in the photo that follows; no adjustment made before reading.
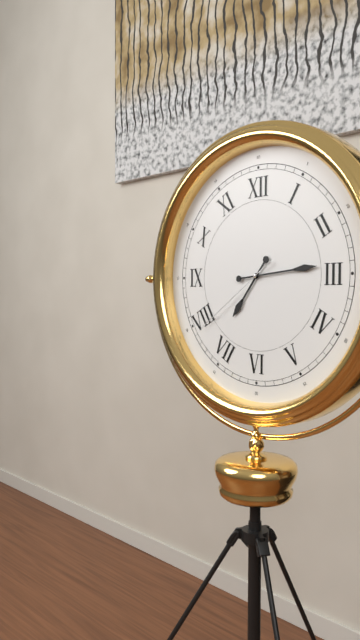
7:14:39
